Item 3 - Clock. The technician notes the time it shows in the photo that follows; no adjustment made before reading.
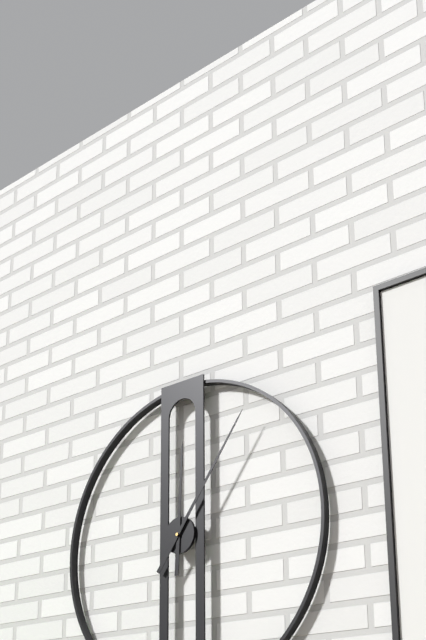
12:06
